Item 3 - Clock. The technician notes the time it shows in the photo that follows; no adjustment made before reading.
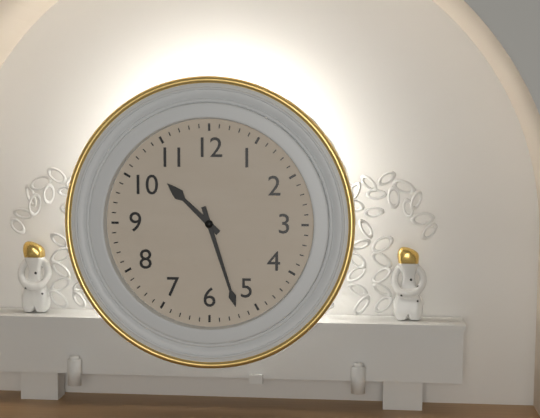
10:27
